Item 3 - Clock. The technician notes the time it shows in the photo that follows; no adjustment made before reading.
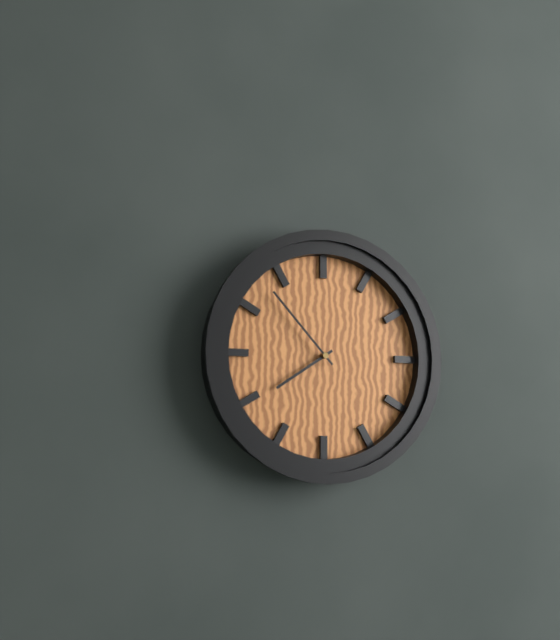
7:53
